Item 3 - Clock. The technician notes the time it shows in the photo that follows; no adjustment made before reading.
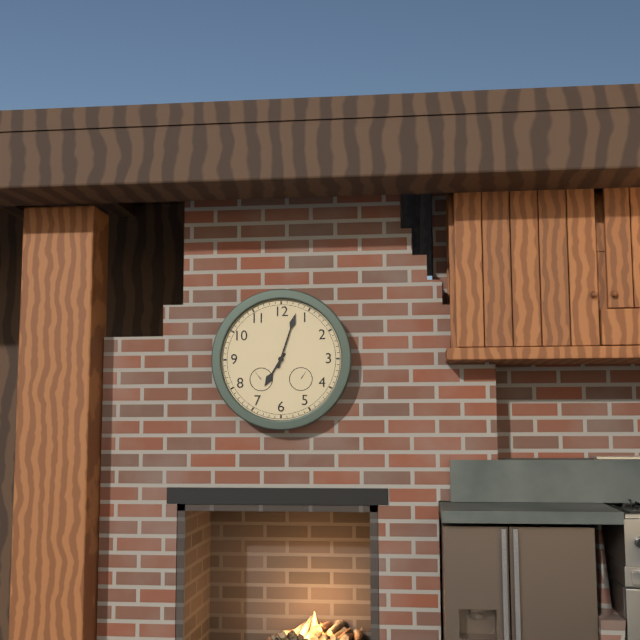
7:03
